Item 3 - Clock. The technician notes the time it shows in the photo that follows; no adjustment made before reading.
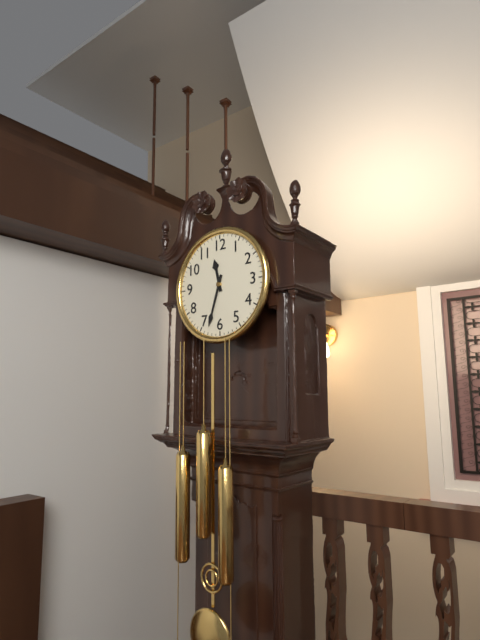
11:33
